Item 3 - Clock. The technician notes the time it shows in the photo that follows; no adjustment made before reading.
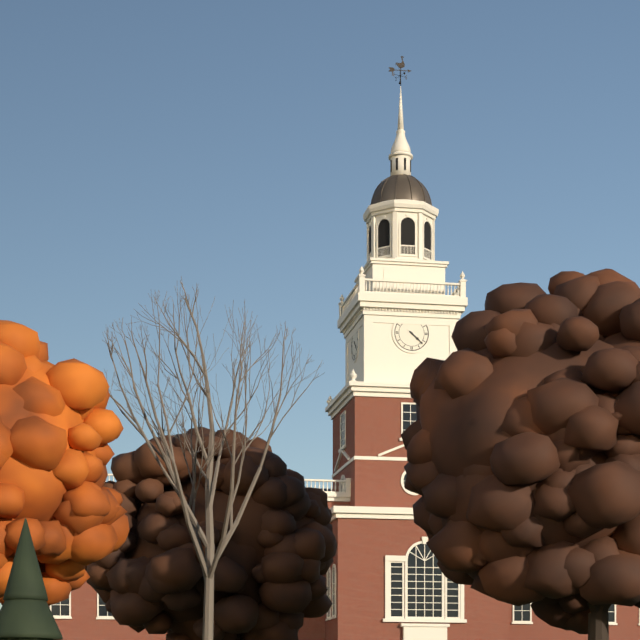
4:22
